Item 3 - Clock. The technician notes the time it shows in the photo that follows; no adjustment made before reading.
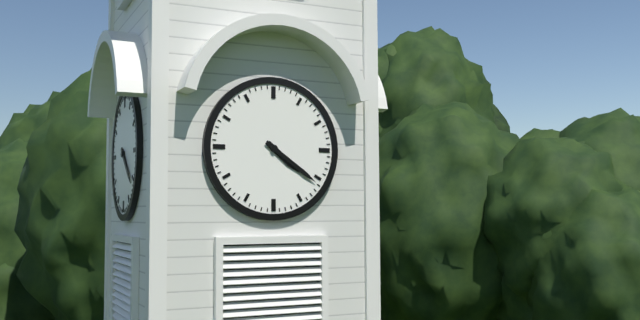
4:21
